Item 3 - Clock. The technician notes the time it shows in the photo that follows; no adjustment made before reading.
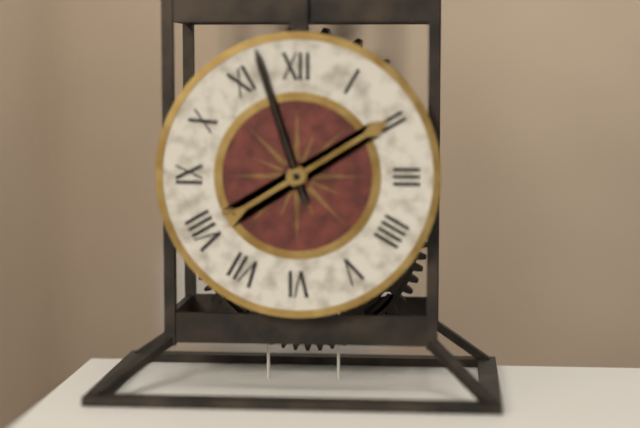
1:57
